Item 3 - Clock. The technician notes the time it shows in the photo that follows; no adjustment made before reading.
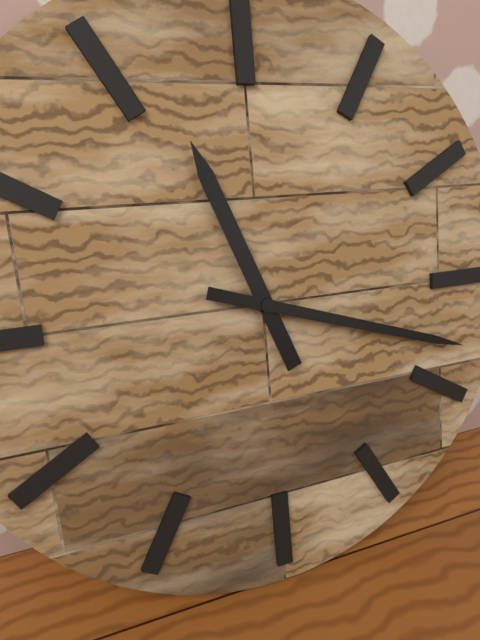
11:18
